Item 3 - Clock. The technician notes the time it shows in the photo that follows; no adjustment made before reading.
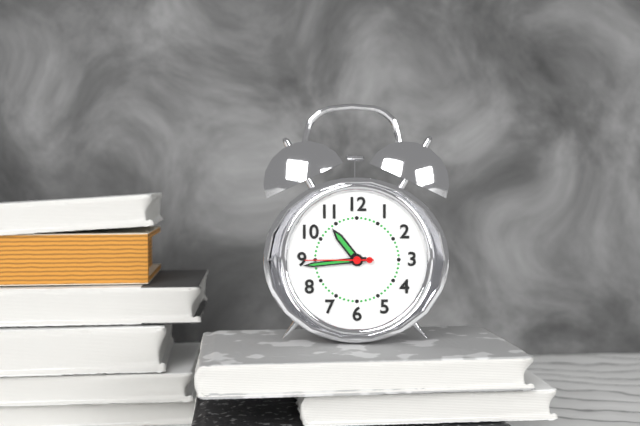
10:44:45
